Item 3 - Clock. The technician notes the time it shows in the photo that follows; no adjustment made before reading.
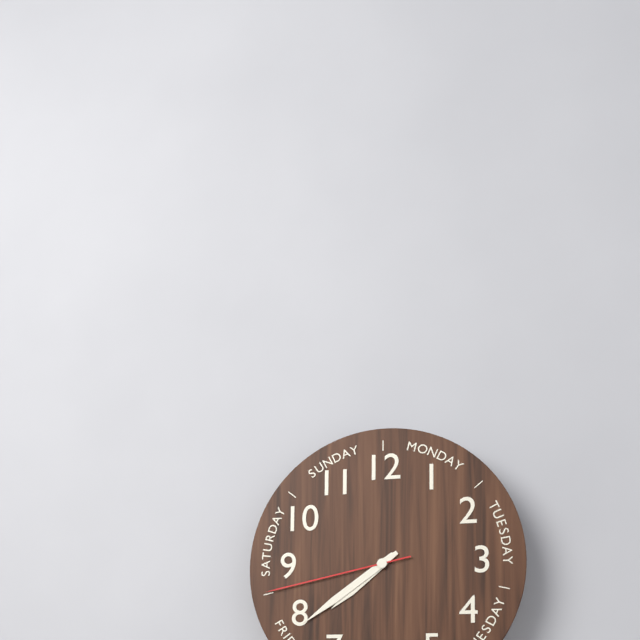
7:39:43
